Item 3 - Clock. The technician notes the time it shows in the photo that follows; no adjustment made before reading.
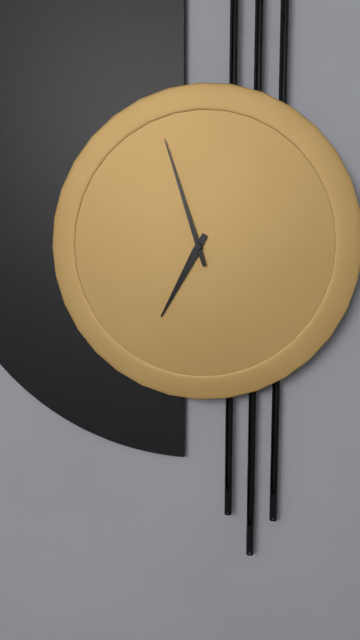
6:57
